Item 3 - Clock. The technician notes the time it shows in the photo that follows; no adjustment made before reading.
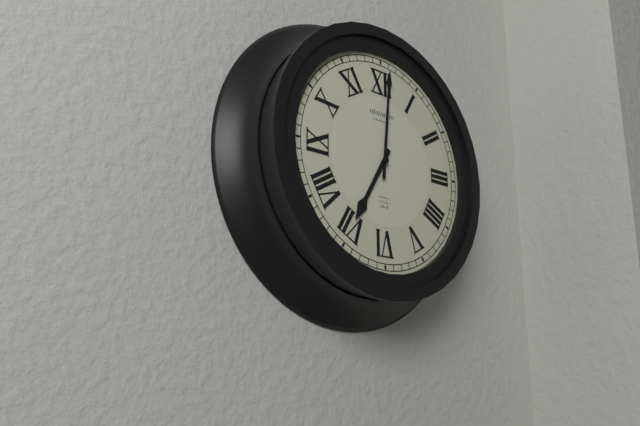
7:01
